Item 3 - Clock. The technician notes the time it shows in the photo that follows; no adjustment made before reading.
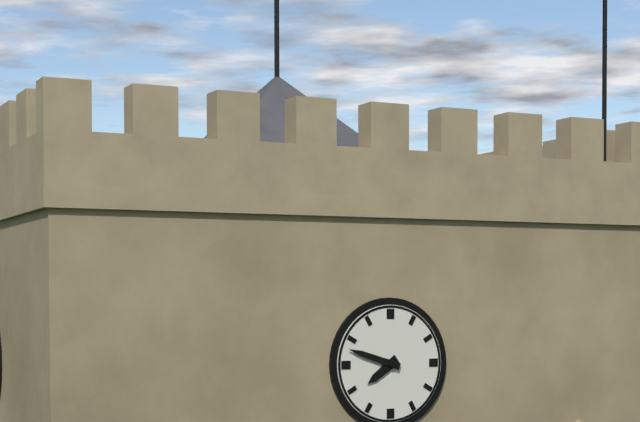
7:48
